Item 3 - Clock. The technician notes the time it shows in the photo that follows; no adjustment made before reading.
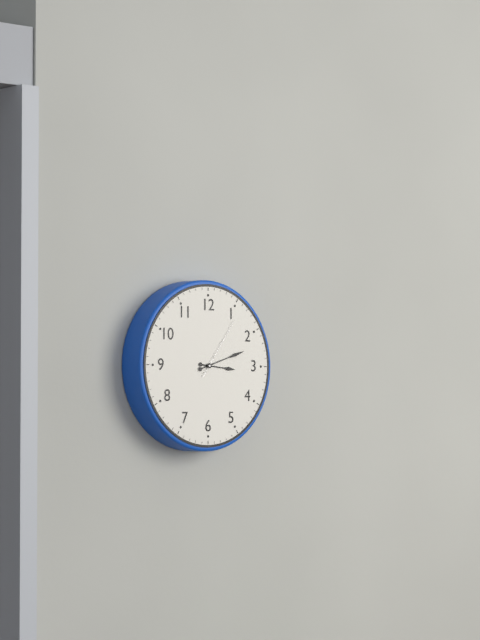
3:12:06
